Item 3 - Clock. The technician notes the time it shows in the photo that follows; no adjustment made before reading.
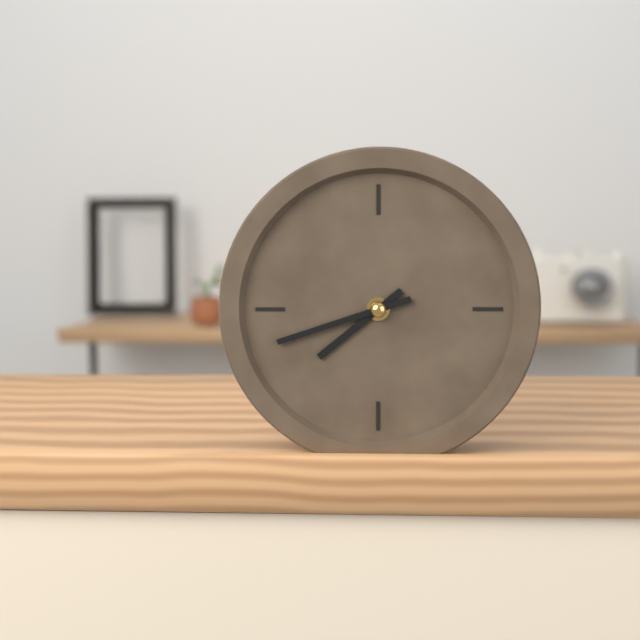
7:42
